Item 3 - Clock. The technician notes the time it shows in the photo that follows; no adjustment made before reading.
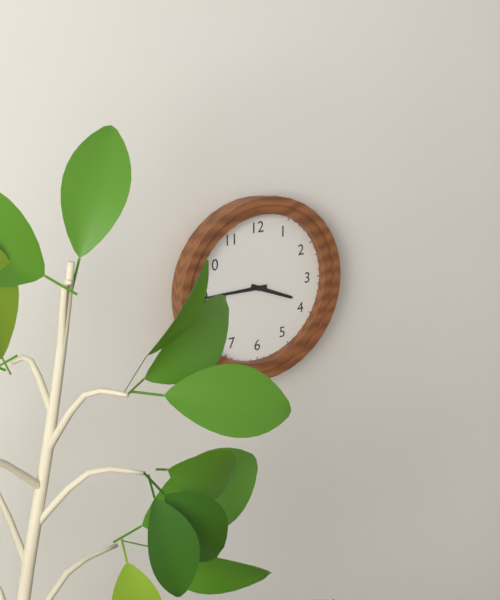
3:45
